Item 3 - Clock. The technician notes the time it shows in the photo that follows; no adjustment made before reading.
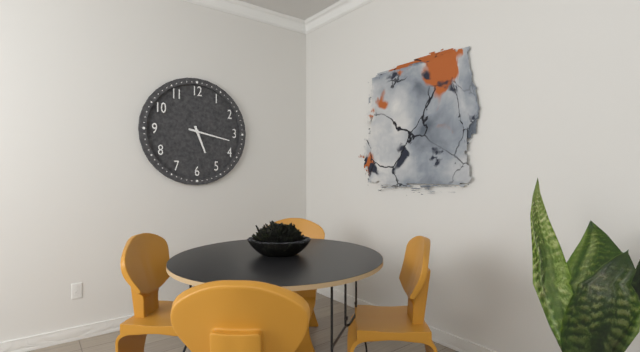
5:17
